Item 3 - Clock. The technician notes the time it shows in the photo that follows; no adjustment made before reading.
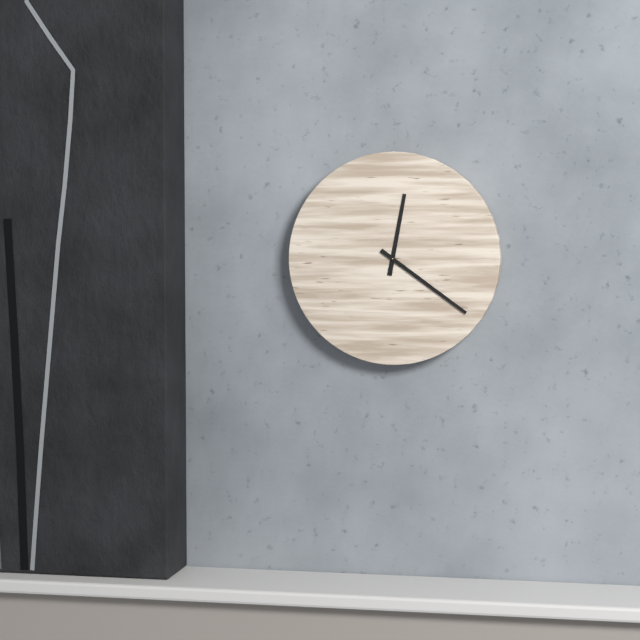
12:21
